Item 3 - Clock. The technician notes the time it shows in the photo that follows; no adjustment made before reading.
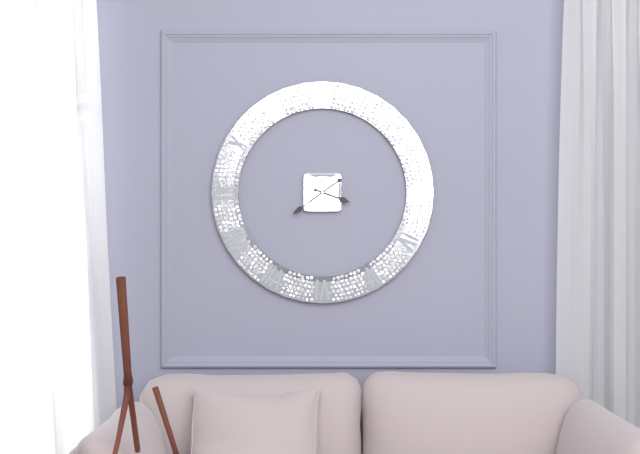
3:39
